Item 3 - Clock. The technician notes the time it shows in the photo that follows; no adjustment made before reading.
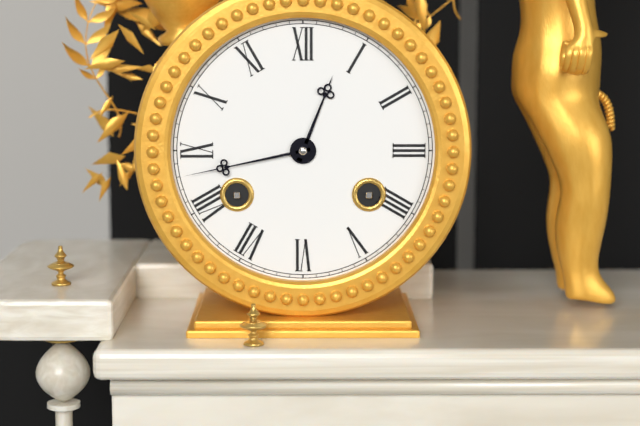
12:43
